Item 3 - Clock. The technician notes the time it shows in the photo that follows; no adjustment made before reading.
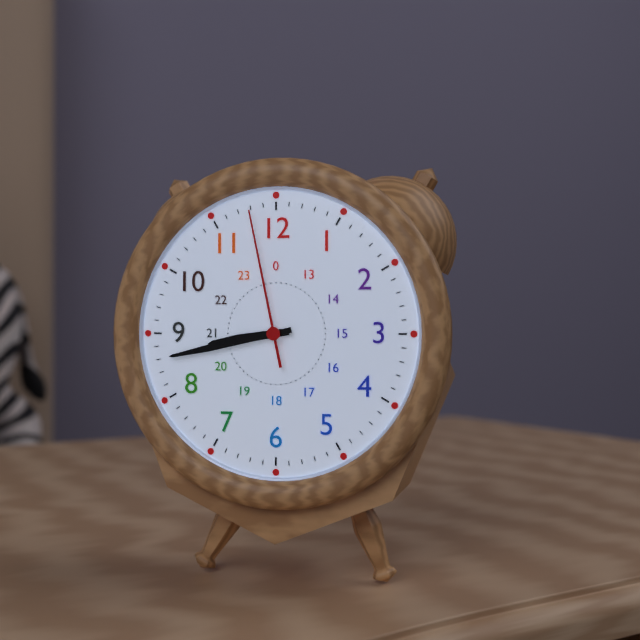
8:43:58
